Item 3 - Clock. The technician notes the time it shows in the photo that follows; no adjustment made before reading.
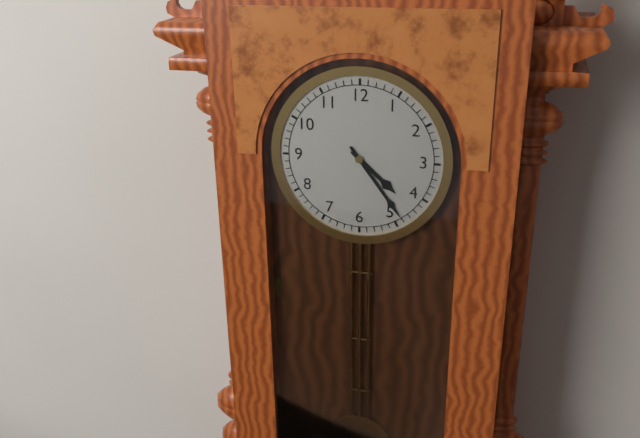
4:24
